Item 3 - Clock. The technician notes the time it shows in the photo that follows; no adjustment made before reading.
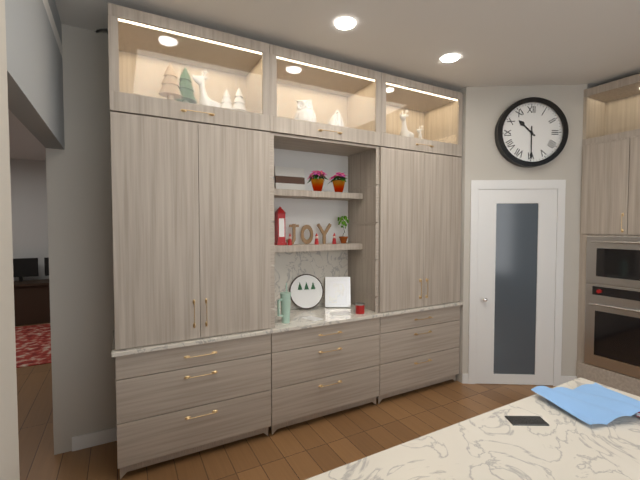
10:30
